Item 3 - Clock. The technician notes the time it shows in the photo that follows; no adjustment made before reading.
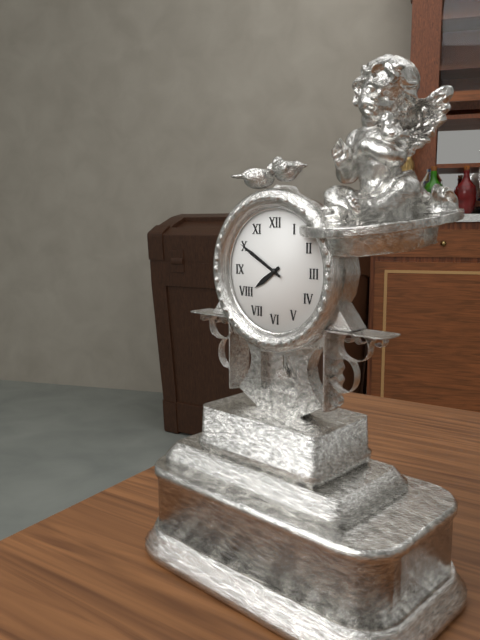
7:50
